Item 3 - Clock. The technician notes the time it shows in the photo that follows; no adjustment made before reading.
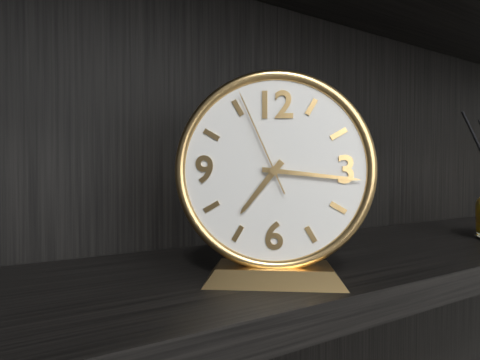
7:16:56
